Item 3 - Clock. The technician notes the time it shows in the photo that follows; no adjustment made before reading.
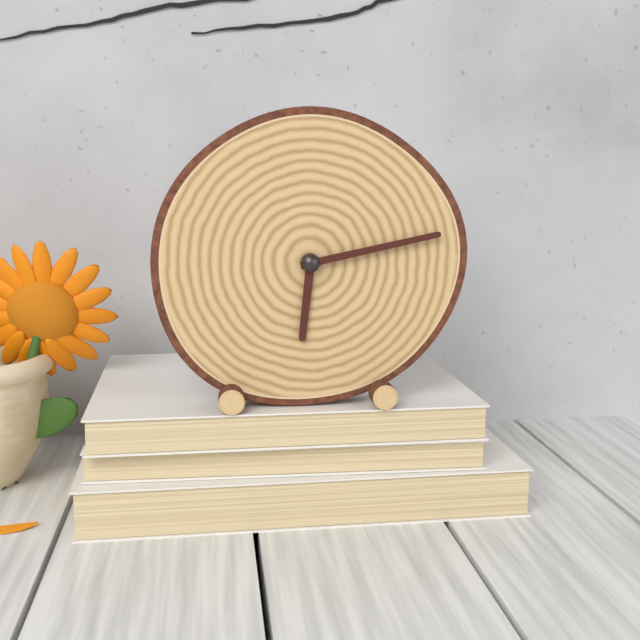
6:13
